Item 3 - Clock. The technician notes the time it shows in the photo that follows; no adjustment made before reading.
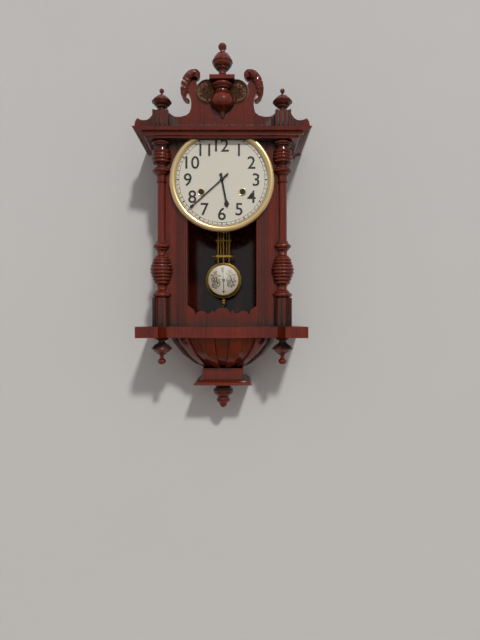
5:38
